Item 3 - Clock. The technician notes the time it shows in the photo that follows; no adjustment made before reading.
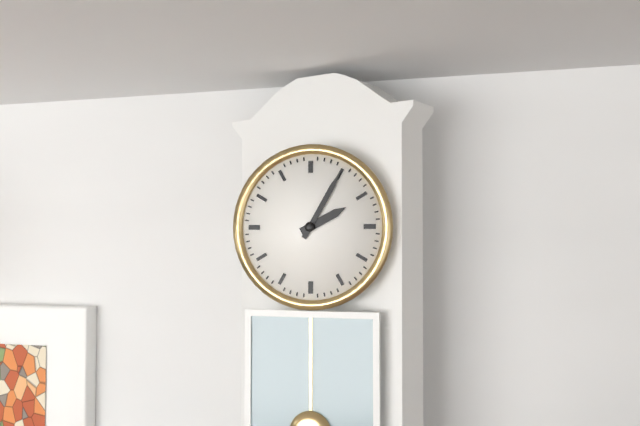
2:05
